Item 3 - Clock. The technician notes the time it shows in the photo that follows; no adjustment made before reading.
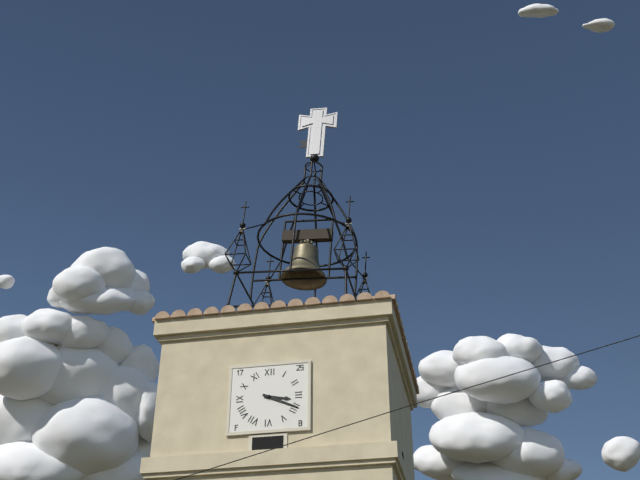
3:19
